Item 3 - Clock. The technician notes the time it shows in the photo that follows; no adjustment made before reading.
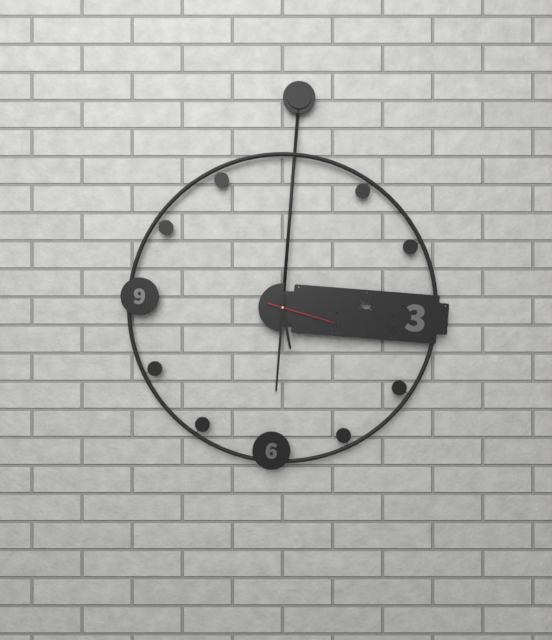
5:30:17
